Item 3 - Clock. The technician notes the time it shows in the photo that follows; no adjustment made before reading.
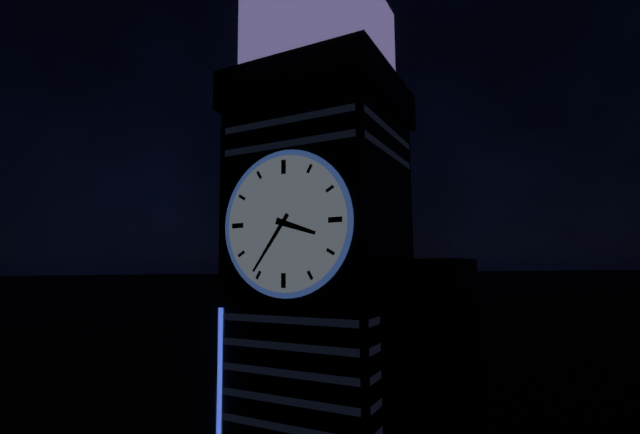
3:36
